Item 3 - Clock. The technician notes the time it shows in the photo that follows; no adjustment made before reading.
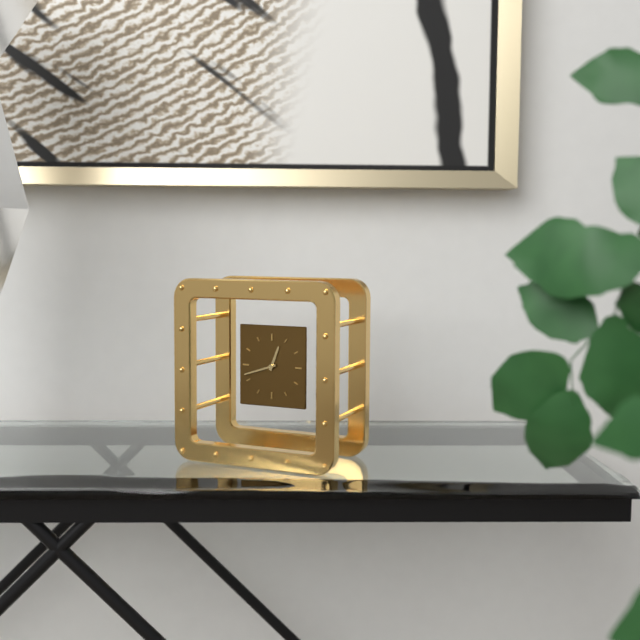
12:42
